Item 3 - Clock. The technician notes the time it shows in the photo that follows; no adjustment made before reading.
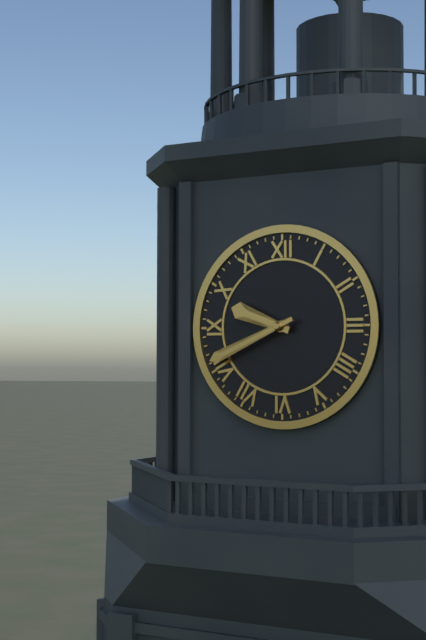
9:41
